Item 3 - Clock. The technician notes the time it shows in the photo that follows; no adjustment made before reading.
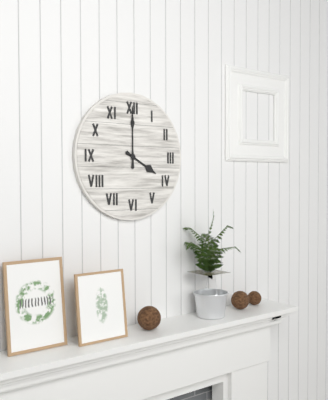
4:00
